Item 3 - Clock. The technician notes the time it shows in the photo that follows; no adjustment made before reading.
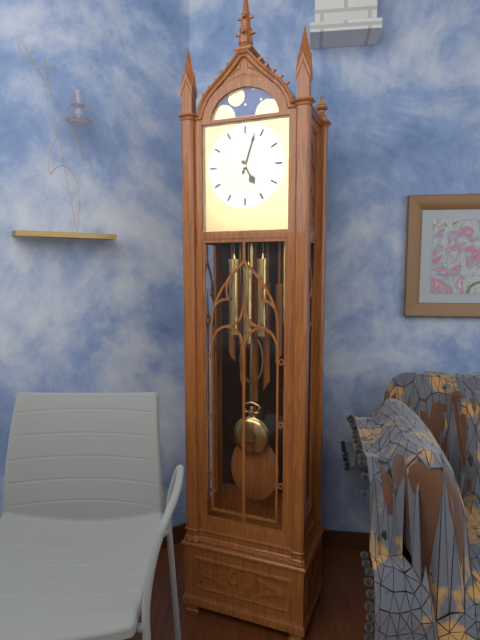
5:03
